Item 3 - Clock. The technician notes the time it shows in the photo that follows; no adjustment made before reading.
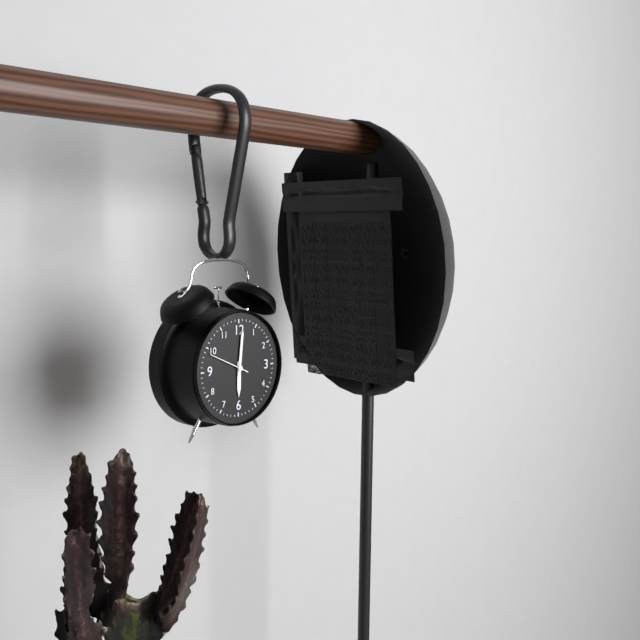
6:01
